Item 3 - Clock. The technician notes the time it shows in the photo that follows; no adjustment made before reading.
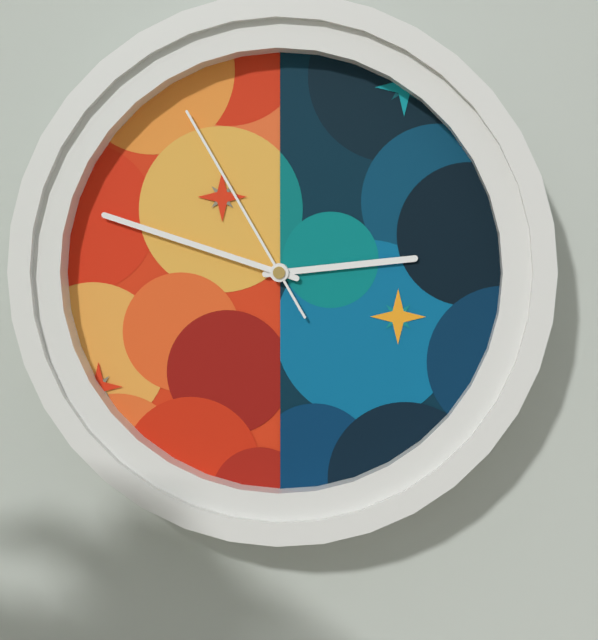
2:48:55
